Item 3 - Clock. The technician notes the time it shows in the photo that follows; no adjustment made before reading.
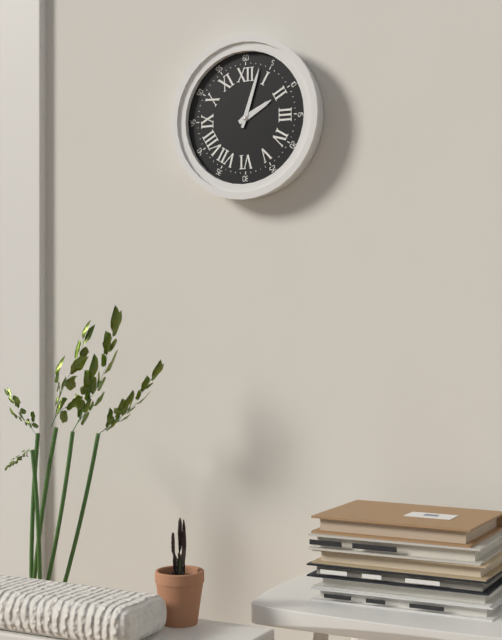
2:03
